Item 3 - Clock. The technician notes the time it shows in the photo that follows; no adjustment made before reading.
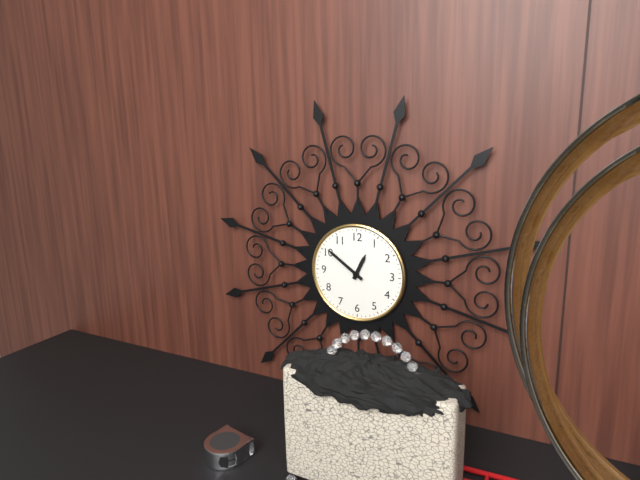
12:51
